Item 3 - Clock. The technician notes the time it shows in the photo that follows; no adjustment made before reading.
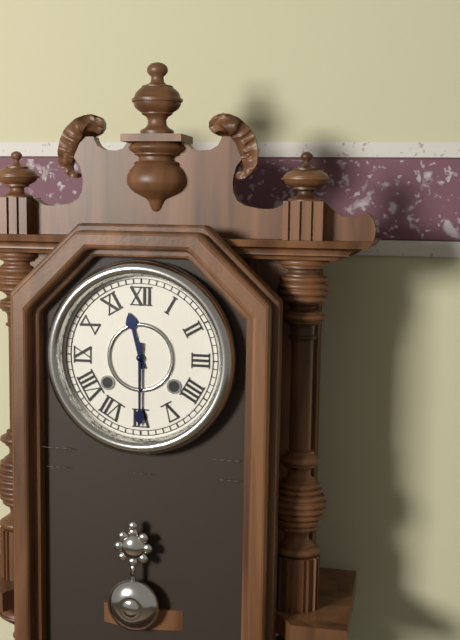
11:30
